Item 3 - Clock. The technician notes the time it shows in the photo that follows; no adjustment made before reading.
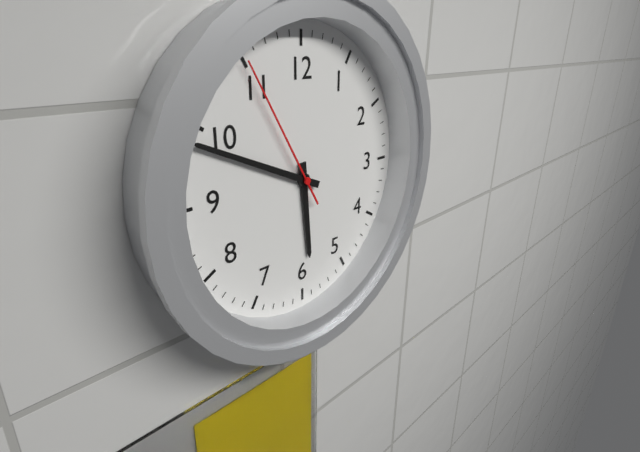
5:49:55
